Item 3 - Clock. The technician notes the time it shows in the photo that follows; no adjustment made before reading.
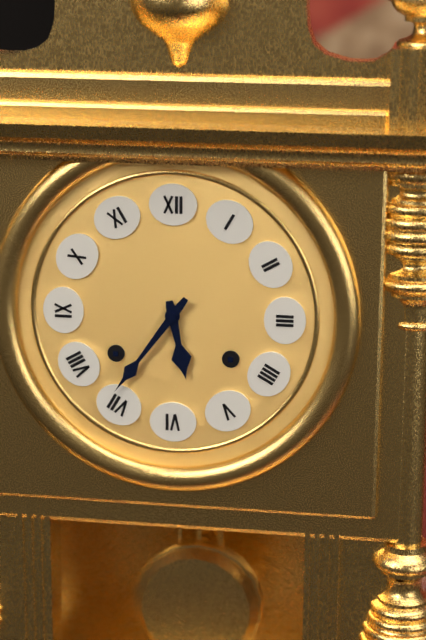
5:36
